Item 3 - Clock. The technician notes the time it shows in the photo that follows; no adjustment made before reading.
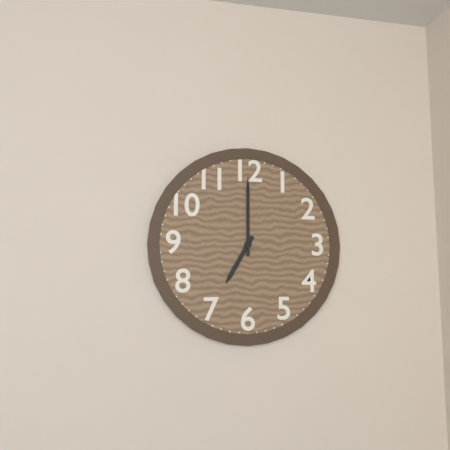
7:00
